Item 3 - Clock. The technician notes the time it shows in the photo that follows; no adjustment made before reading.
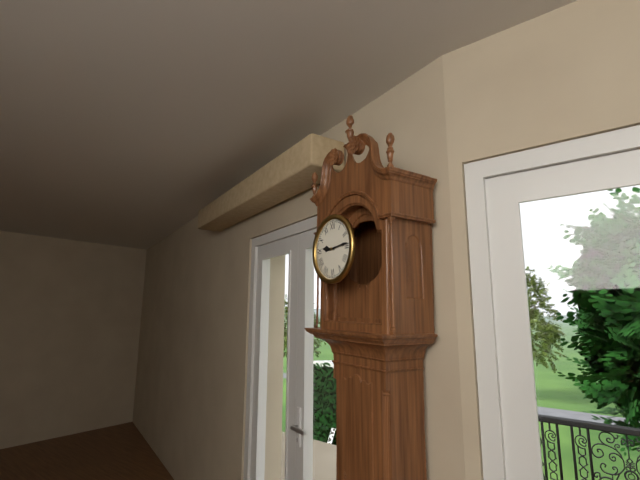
9:14
